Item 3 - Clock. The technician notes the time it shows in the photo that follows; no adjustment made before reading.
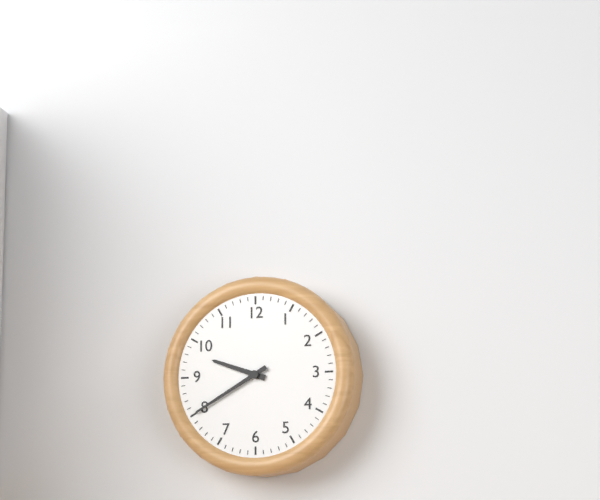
9:40
